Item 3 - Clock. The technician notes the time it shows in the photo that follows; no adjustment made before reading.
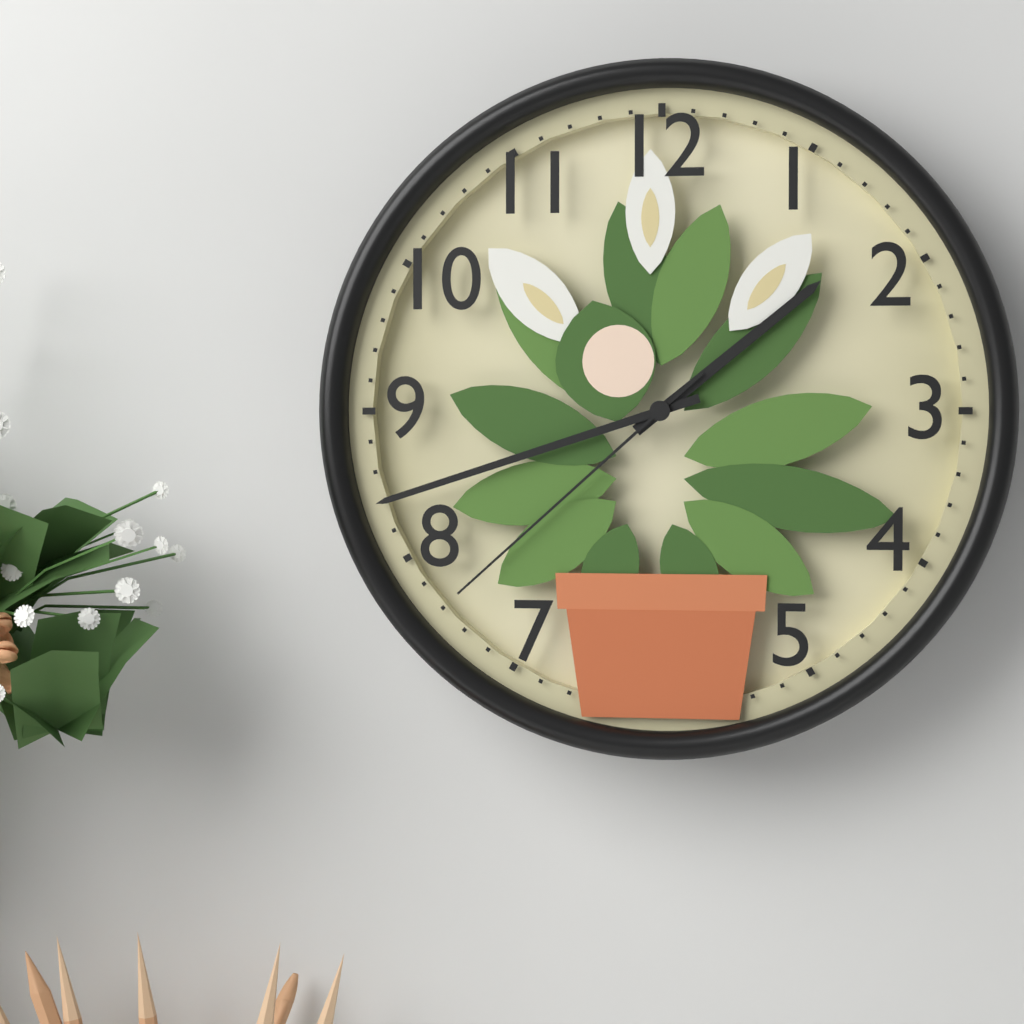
1:42:38
